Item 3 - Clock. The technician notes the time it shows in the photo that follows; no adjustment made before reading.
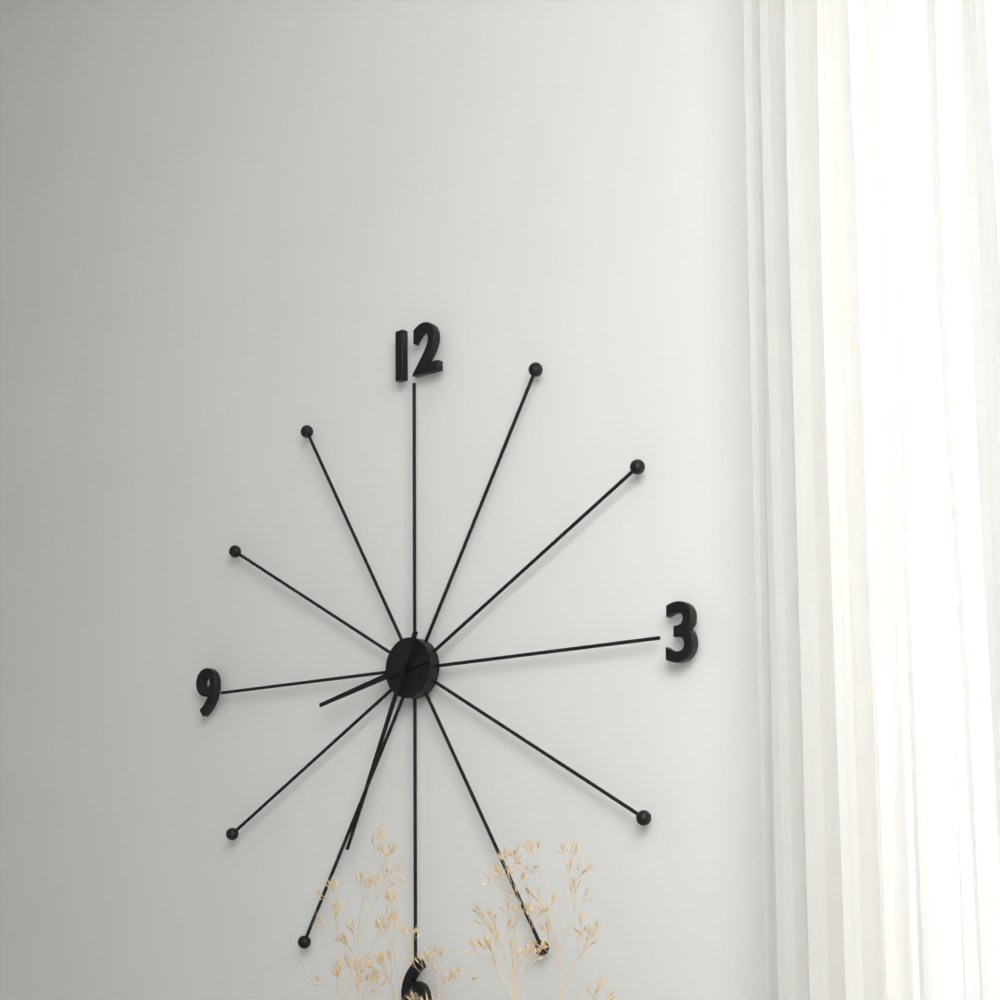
8:34
